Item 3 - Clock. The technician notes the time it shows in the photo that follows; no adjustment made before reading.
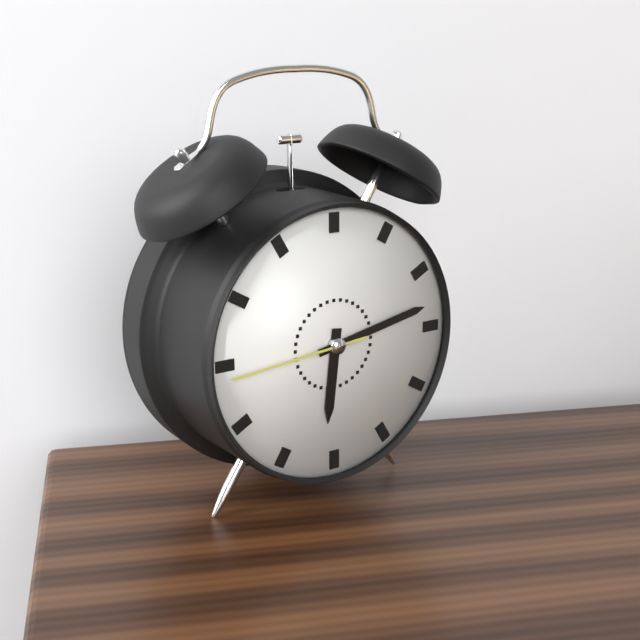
6:13:44
